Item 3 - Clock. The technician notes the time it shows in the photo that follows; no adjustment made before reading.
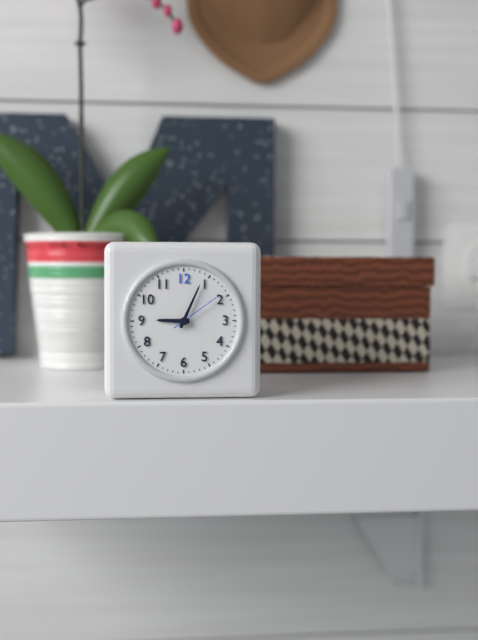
9:04:09
